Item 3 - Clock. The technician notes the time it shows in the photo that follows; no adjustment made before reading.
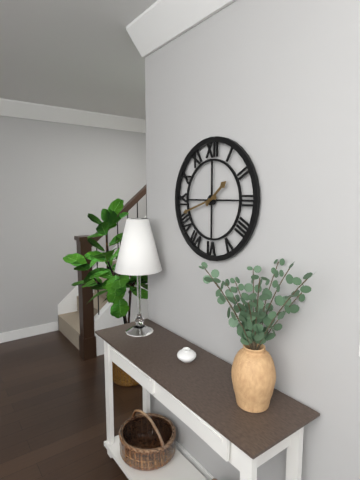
1:42
